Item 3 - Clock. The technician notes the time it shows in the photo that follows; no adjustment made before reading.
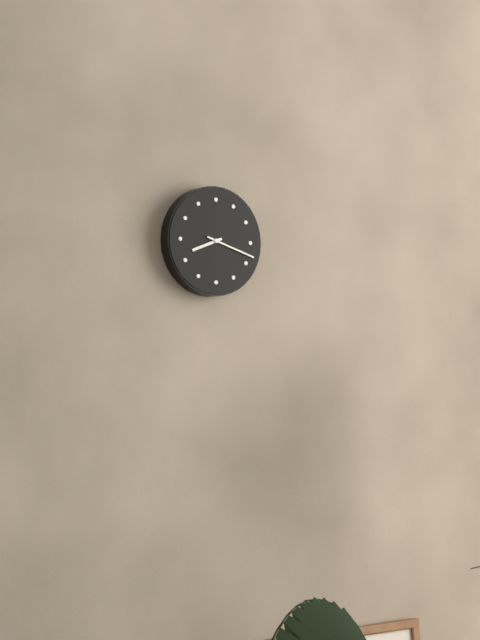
8:18
